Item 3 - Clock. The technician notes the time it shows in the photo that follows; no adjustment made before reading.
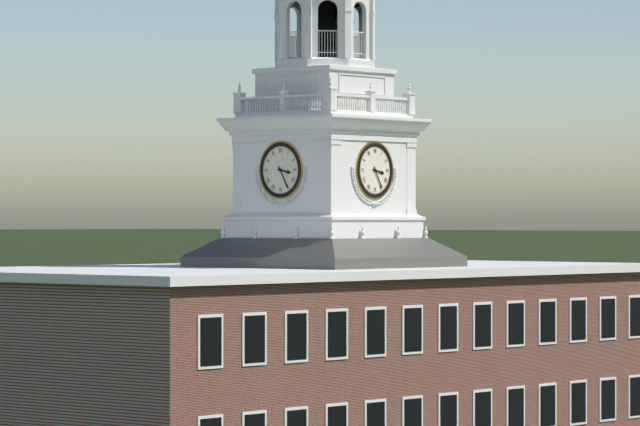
3:25
